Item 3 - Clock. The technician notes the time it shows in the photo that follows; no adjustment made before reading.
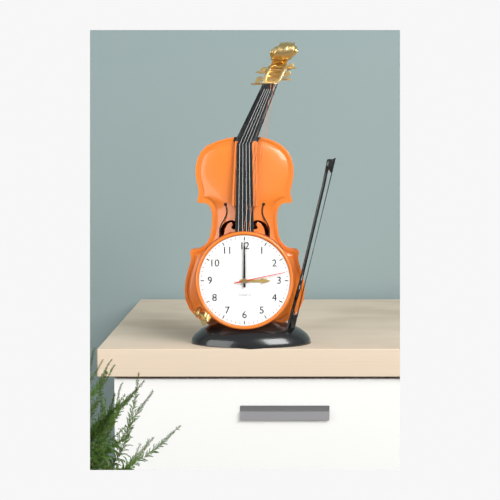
3:00:13
